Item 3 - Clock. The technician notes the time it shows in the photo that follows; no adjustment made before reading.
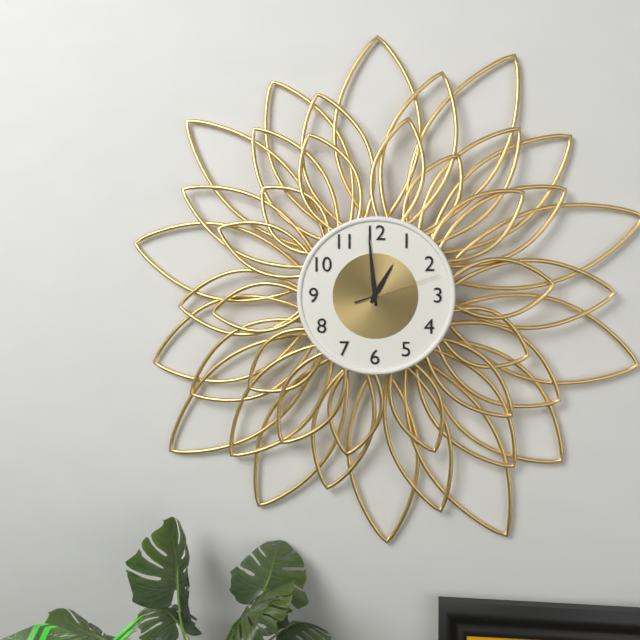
12:59:12
